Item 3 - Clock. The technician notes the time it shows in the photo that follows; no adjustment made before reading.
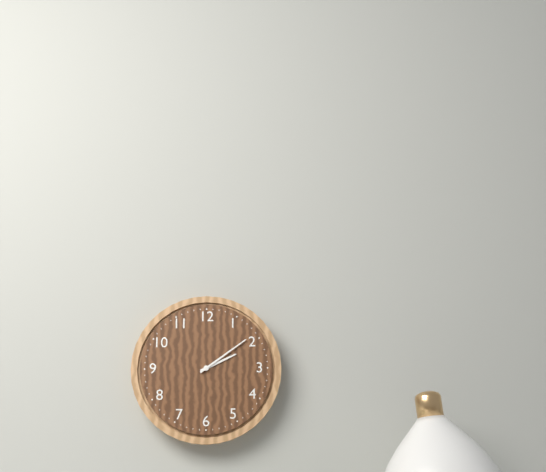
2:09
